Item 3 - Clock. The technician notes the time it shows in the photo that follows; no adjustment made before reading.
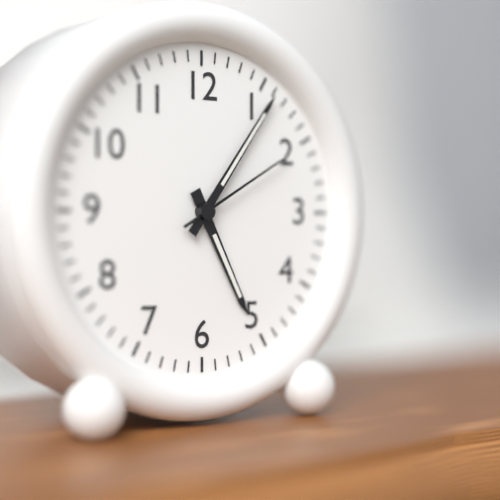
5:06:10
